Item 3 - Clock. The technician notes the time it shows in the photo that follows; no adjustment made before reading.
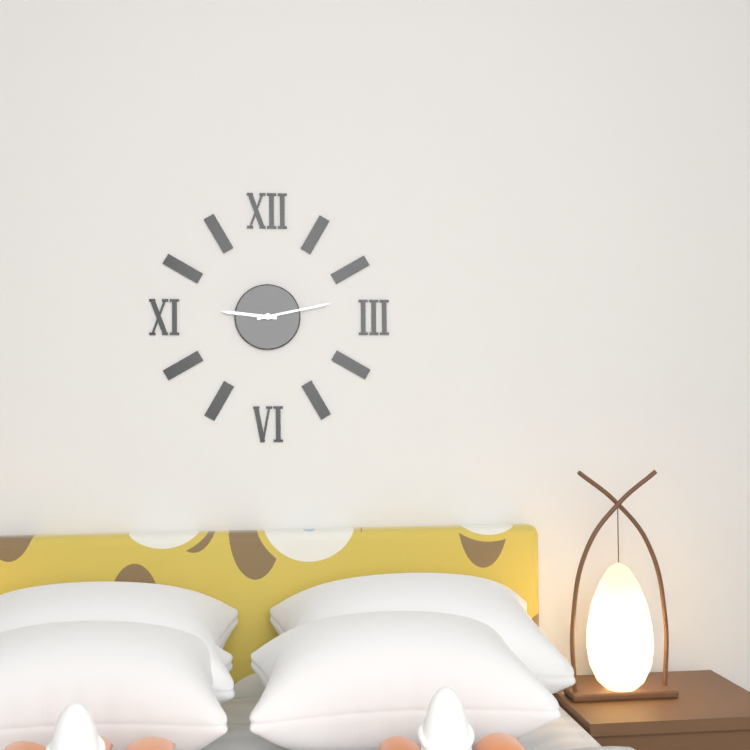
9:13
